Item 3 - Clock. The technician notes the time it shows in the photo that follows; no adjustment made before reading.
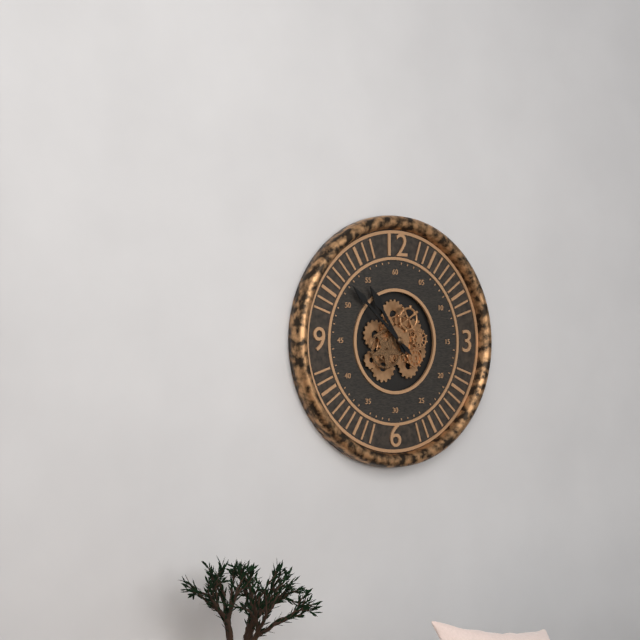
10:52
